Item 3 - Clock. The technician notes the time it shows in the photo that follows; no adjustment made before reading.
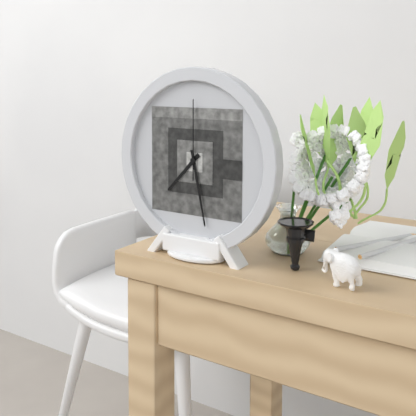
7:28:00
